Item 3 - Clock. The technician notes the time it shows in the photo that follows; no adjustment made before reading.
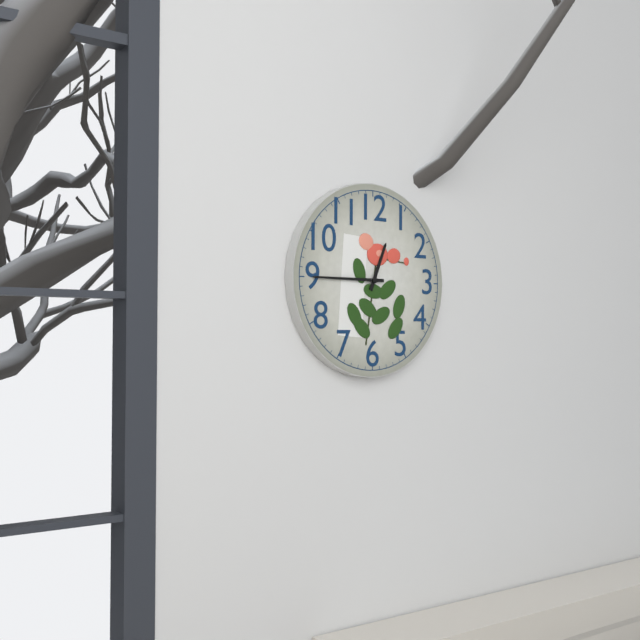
12:45
